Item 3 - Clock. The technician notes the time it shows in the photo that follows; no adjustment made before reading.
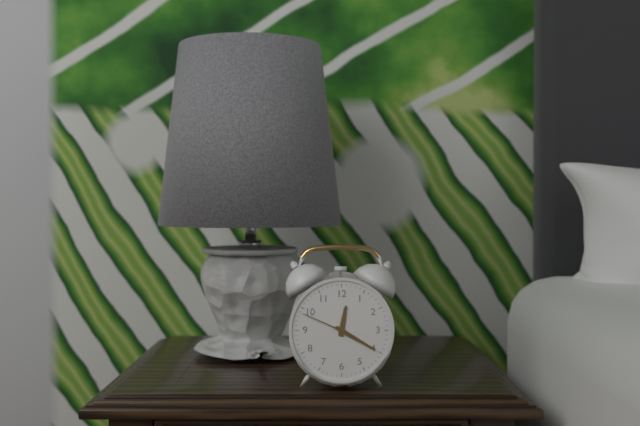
12:20:49
